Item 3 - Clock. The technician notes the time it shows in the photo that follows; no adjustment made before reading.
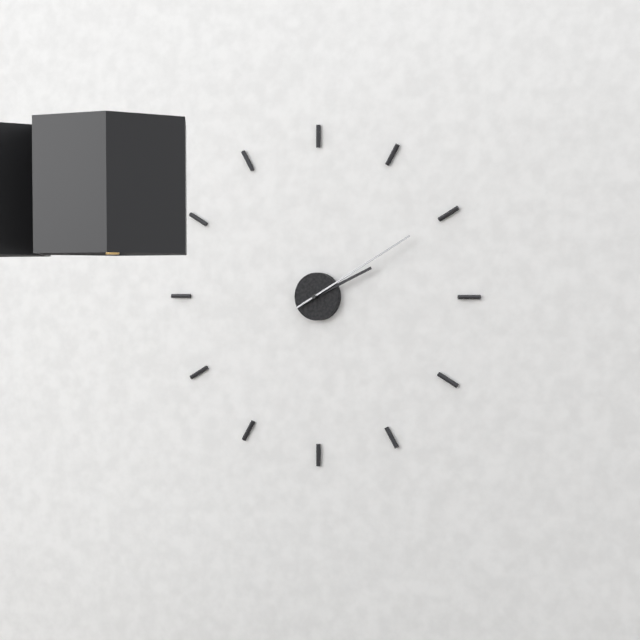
2:10
